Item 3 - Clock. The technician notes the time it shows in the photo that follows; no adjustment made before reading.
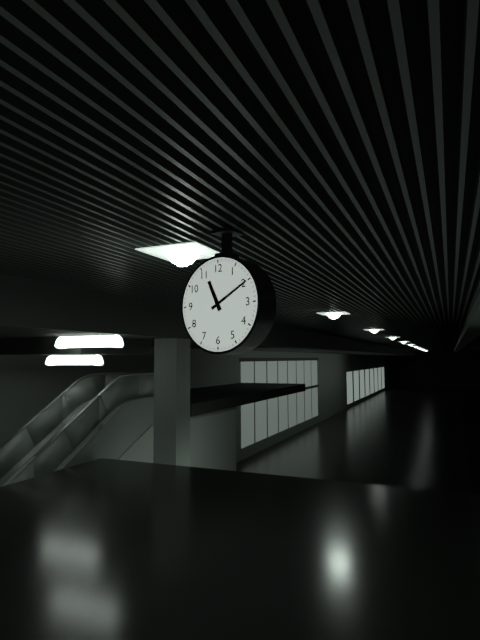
11:10
